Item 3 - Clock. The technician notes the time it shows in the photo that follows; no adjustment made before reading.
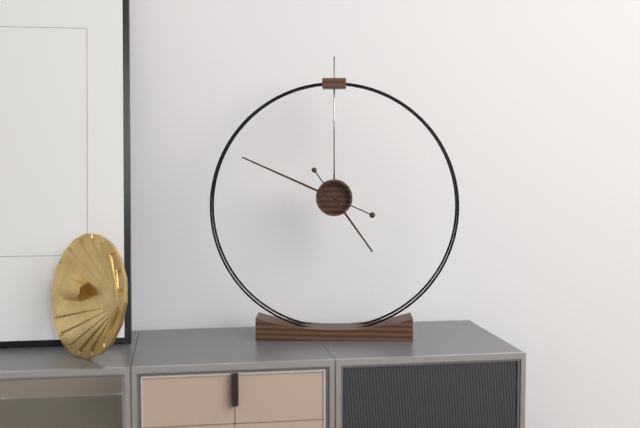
4:49
